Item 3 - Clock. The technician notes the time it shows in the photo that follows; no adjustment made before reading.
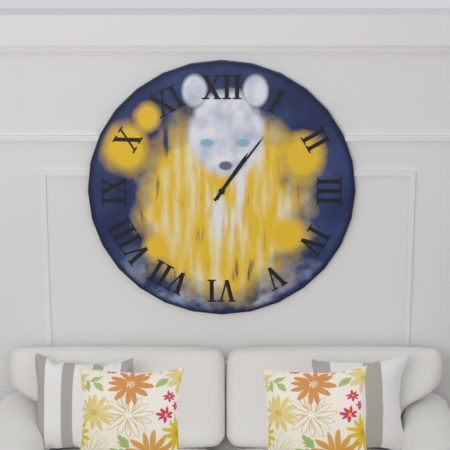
1:06
